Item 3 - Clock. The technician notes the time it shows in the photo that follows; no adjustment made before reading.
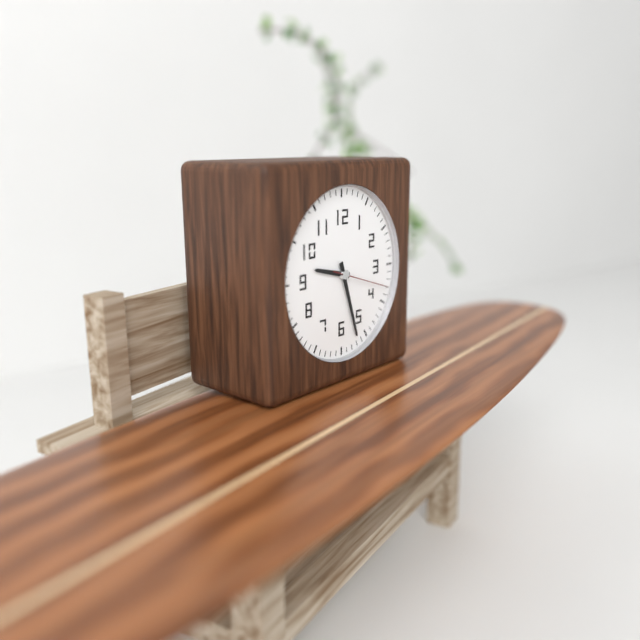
9:27:18
